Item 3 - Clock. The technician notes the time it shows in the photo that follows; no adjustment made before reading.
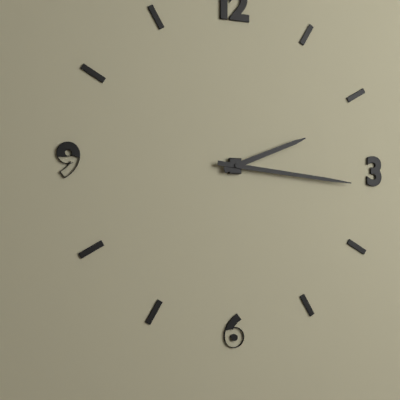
2:16
